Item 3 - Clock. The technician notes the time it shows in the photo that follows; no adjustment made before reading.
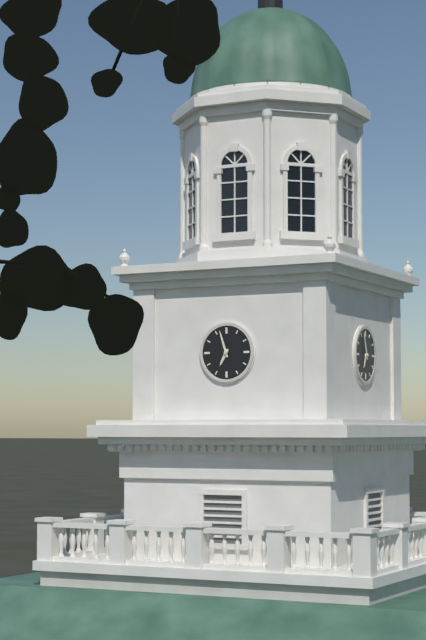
6:57
